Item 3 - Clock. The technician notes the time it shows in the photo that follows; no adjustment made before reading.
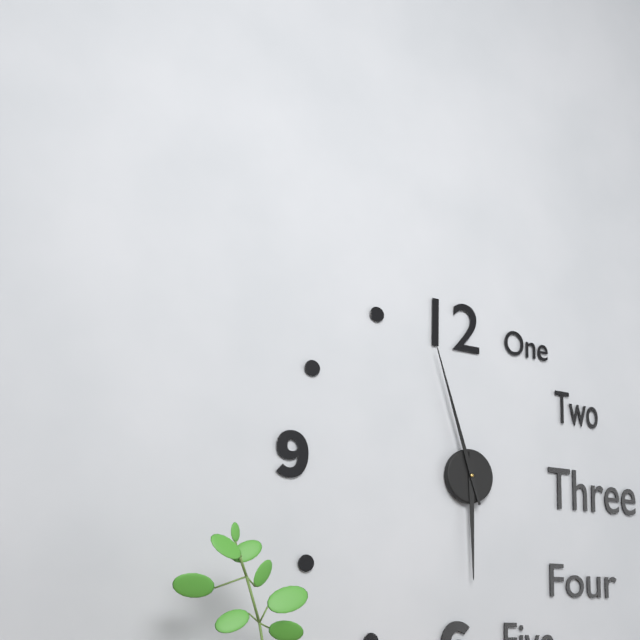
5:57
